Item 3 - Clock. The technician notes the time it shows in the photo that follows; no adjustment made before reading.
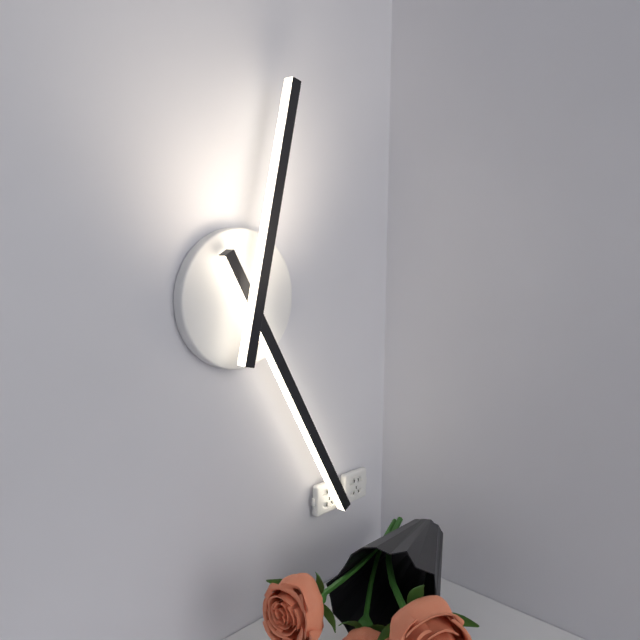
12:25
